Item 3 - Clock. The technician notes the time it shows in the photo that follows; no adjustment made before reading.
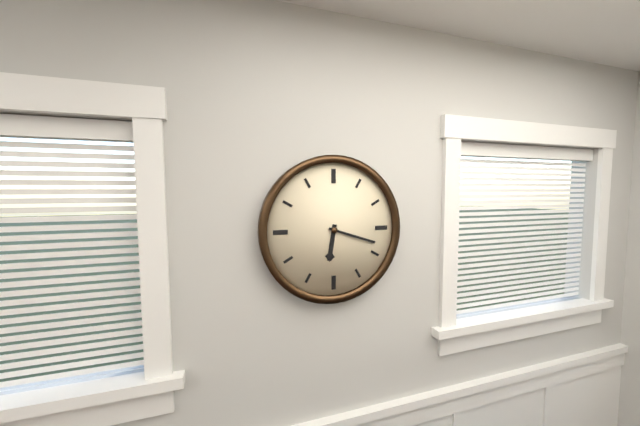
6:18
